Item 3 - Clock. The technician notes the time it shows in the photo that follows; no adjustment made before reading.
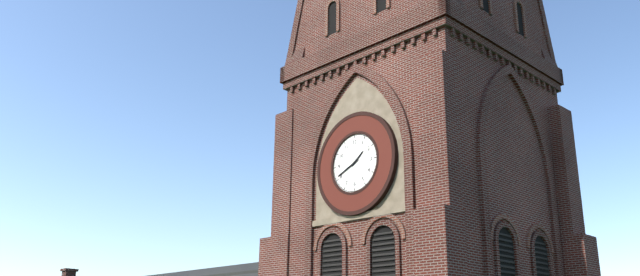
1:41
